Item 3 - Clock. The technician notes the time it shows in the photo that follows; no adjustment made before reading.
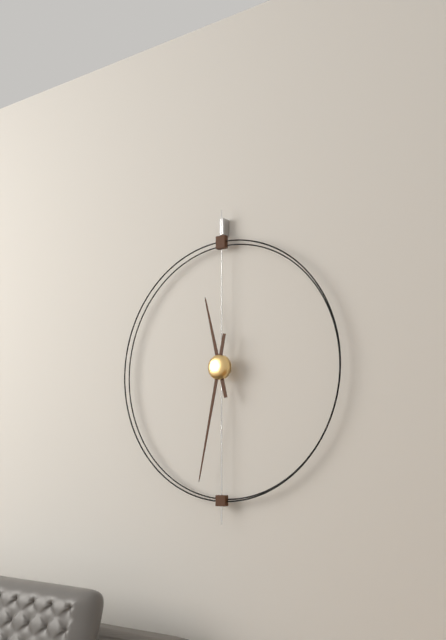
11:32
